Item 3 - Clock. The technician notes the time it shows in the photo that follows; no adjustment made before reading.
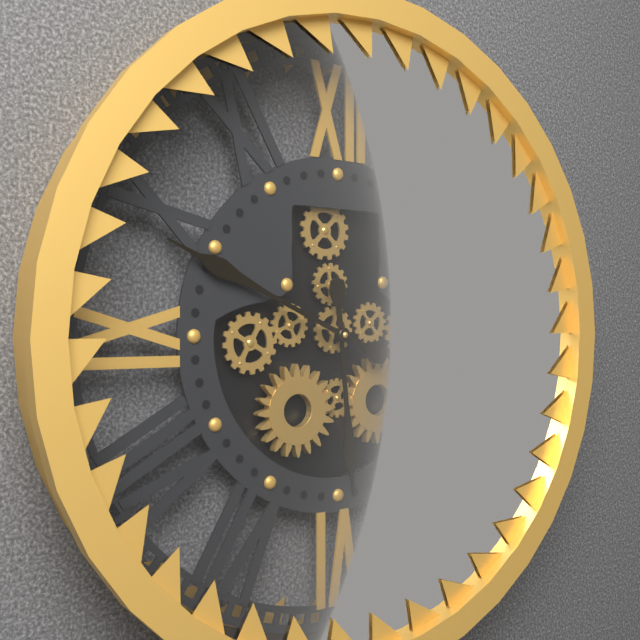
5:49
